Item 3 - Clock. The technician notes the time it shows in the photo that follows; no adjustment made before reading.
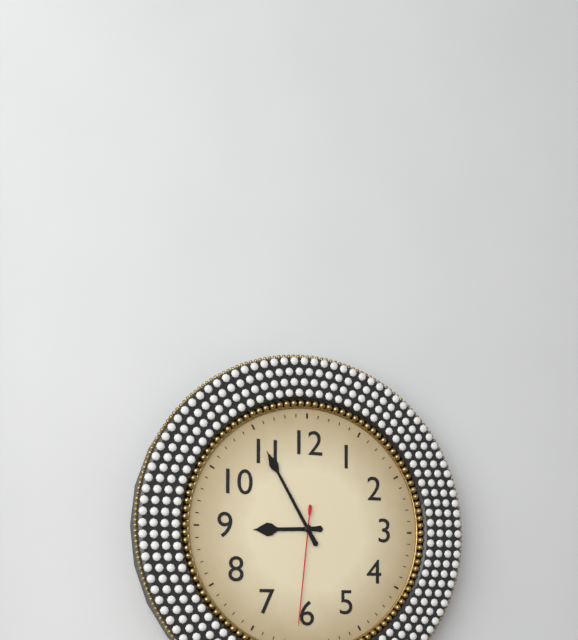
8:55:31
